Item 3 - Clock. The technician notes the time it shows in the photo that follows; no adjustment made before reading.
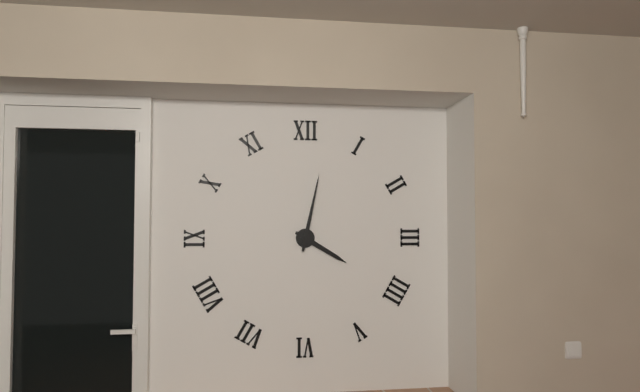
4:02
